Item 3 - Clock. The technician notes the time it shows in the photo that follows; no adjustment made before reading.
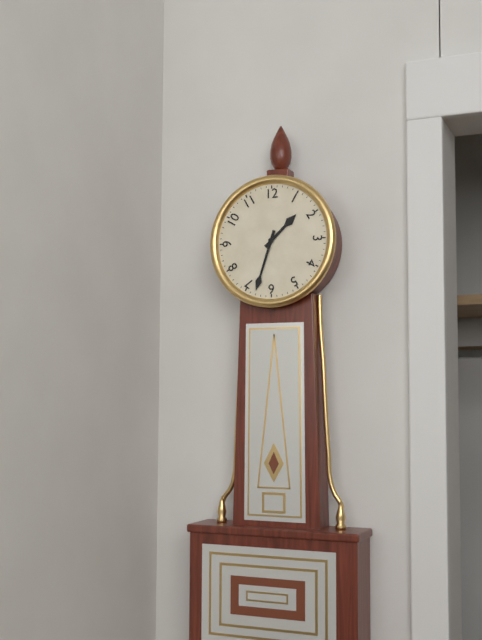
1:33
